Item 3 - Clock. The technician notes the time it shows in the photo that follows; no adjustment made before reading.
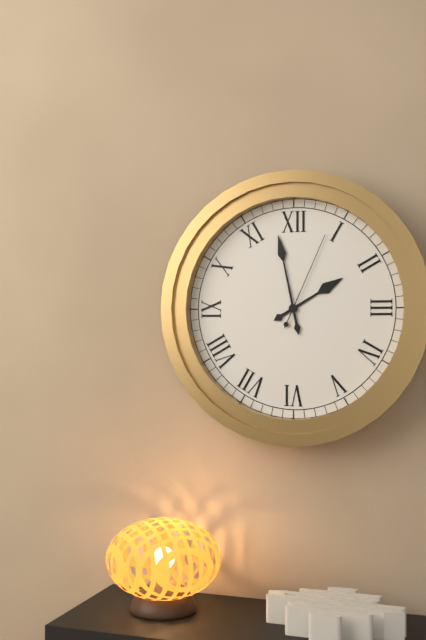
1:58:04
